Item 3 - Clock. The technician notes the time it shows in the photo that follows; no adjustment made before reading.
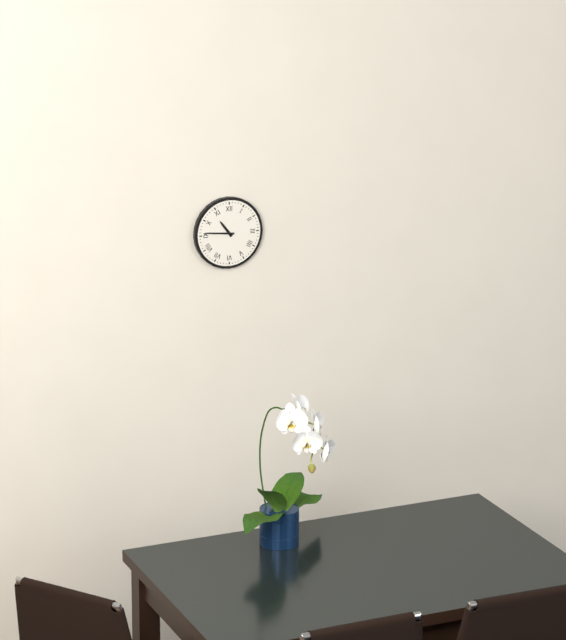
10:46
